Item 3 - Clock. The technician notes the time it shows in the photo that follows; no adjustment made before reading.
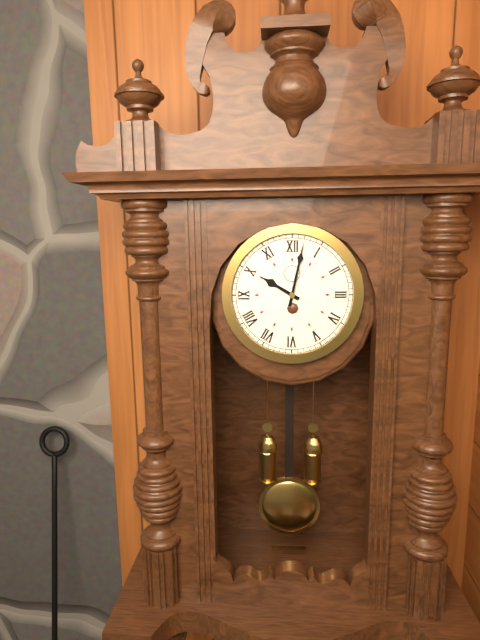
10:02
